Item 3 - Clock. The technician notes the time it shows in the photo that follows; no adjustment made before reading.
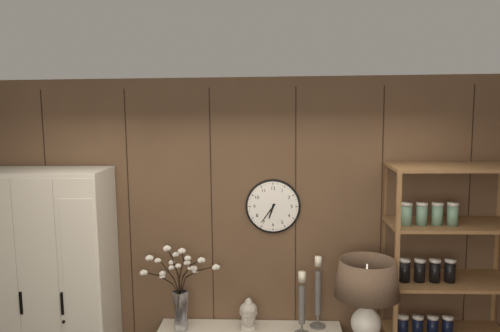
6:36
